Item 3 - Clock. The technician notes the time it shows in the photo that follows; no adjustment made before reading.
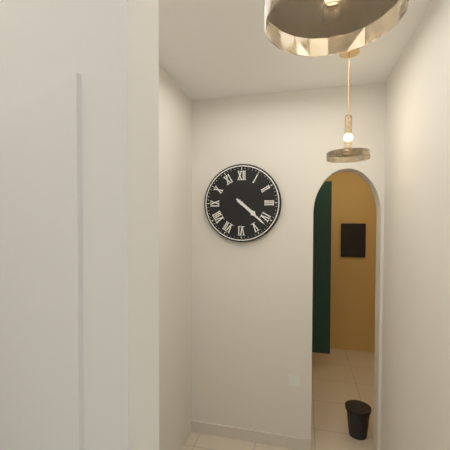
4:22
